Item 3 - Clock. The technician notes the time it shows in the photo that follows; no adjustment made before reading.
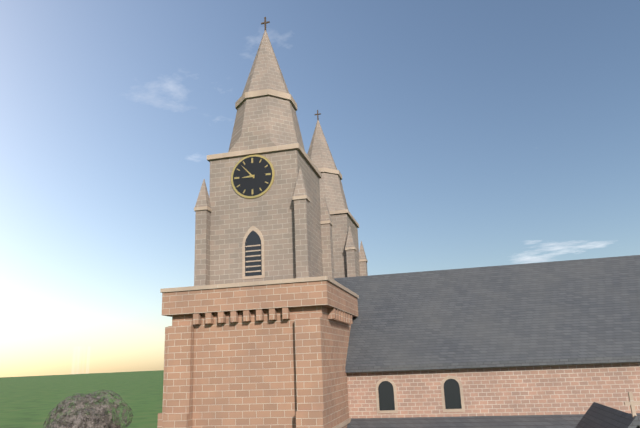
8:53
